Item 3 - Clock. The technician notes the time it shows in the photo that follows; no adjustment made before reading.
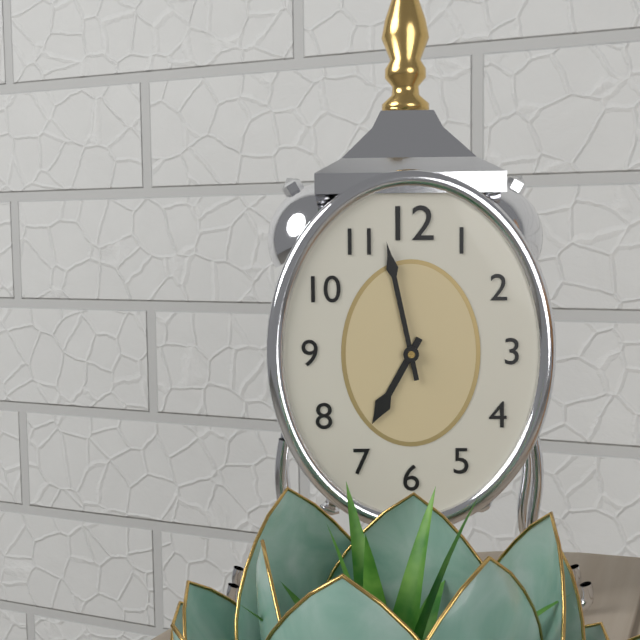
6:58
